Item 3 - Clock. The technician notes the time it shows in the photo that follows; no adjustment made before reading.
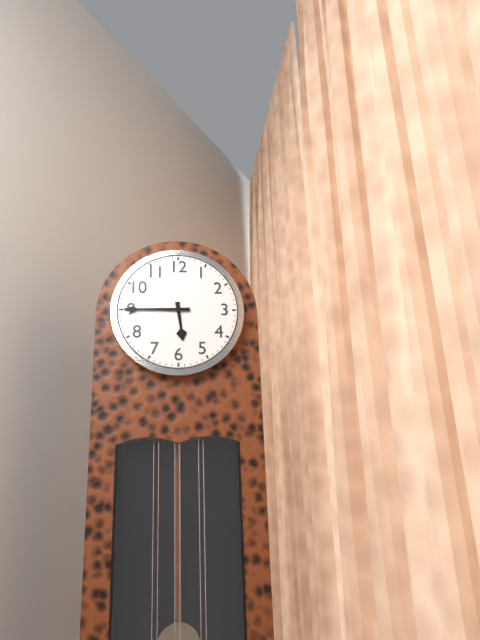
5:45
